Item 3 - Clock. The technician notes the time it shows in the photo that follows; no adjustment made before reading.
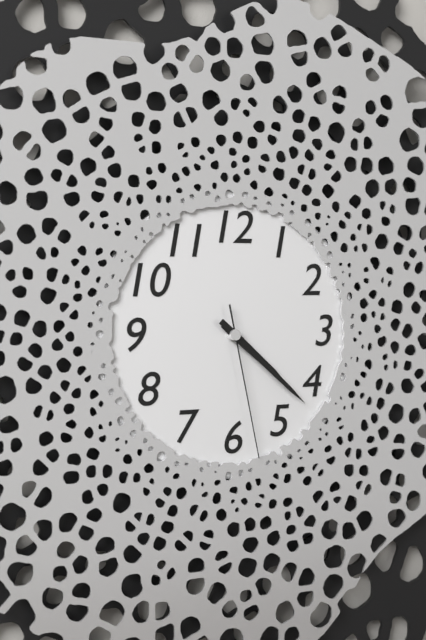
4:22:28
